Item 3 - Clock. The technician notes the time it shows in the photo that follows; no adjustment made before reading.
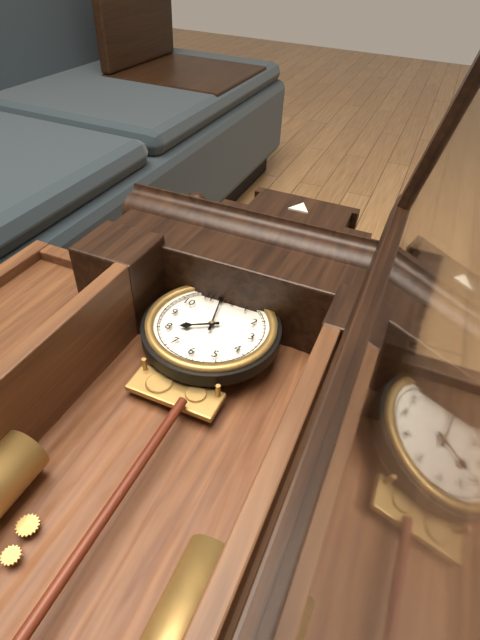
7:58
